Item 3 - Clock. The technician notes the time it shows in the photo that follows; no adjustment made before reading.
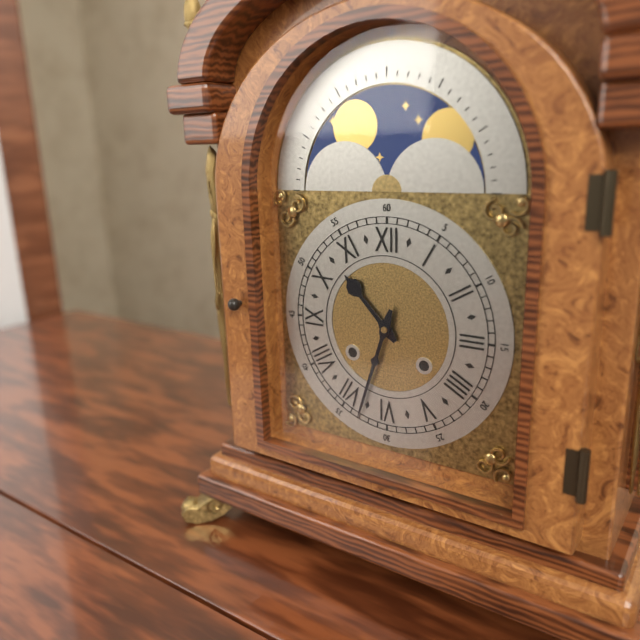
10:33
